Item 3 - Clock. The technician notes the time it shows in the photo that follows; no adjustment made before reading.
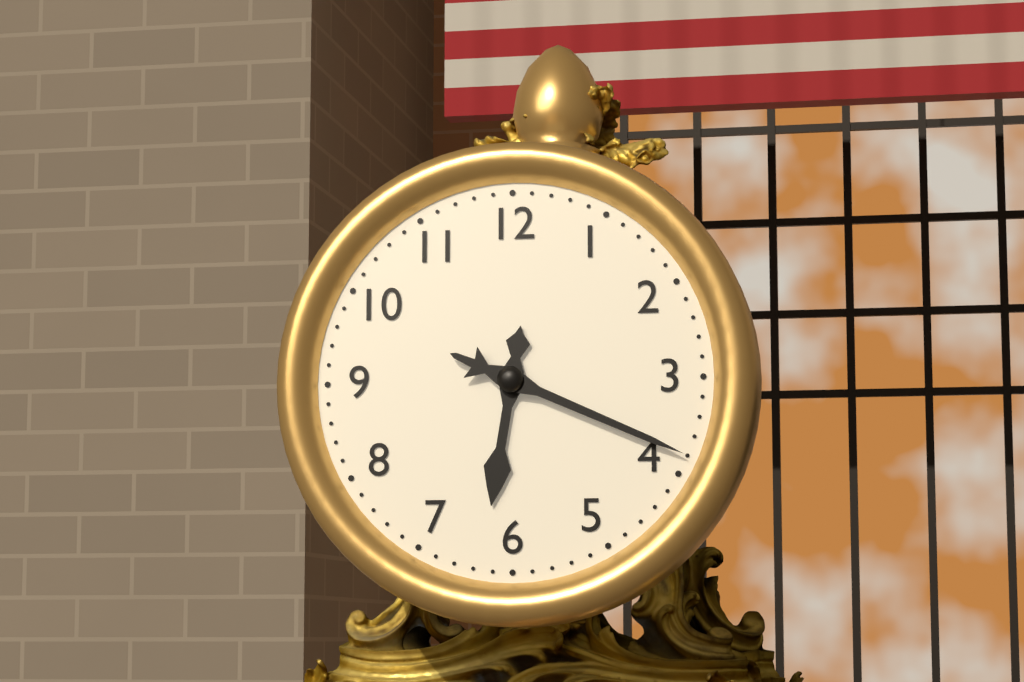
6:19
